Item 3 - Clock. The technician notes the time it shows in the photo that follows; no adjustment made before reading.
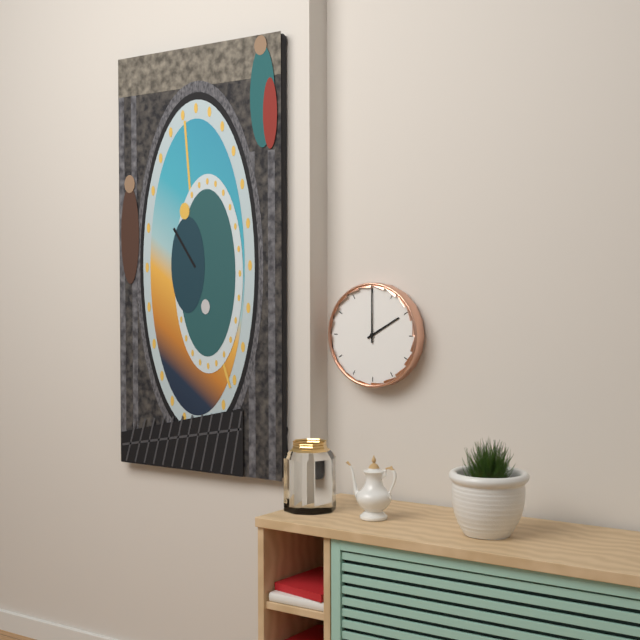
2:00
